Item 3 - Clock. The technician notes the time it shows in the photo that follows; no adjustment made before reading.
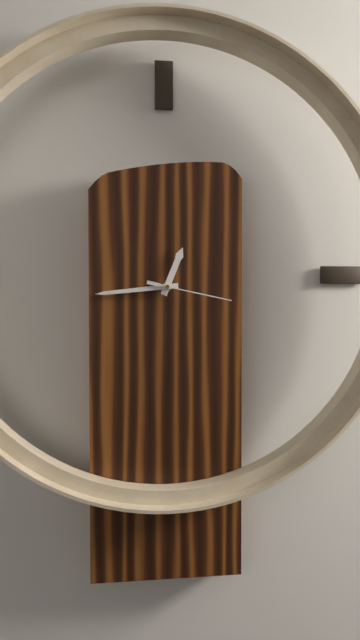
12:44:17
